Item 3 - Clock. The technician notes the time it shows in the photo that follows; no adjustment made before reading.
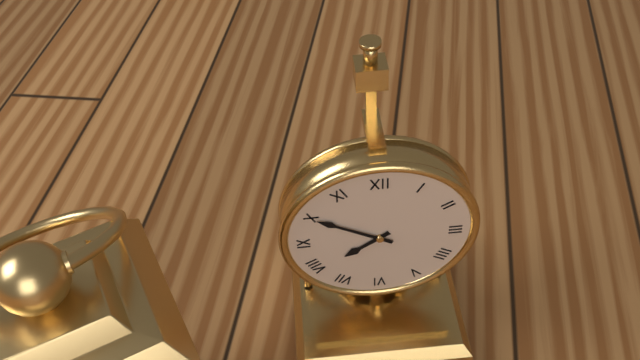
7:50
